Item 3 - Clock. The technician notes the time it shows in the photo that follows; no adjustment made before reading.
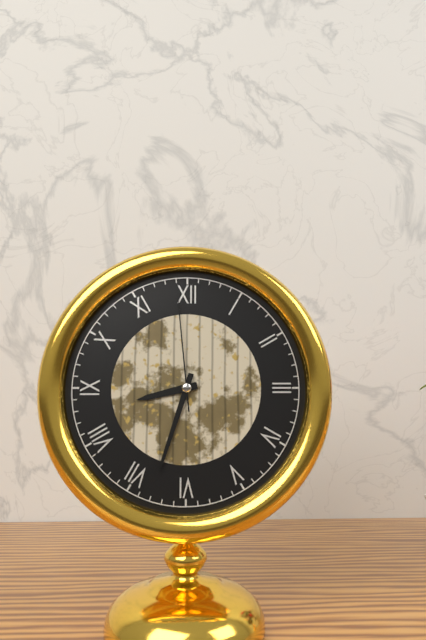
8:33:59
